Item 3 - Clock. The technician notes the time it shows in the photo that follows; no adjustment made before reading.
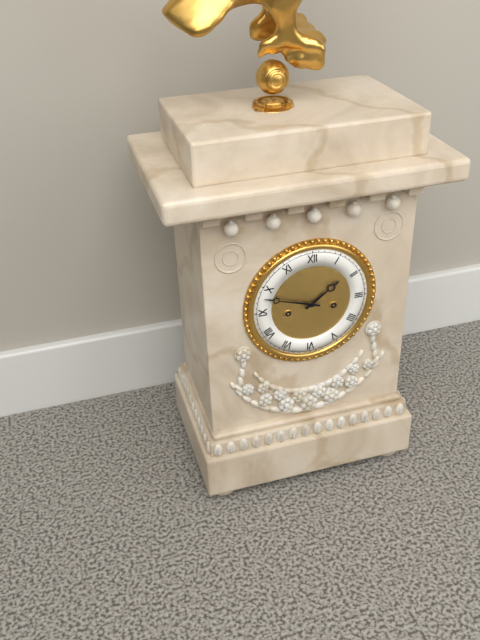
1:48
